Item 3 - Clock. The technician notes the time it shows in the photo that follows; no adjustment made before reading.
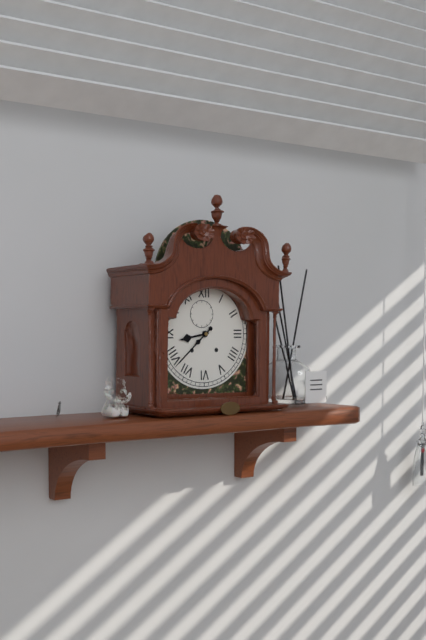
8:38
